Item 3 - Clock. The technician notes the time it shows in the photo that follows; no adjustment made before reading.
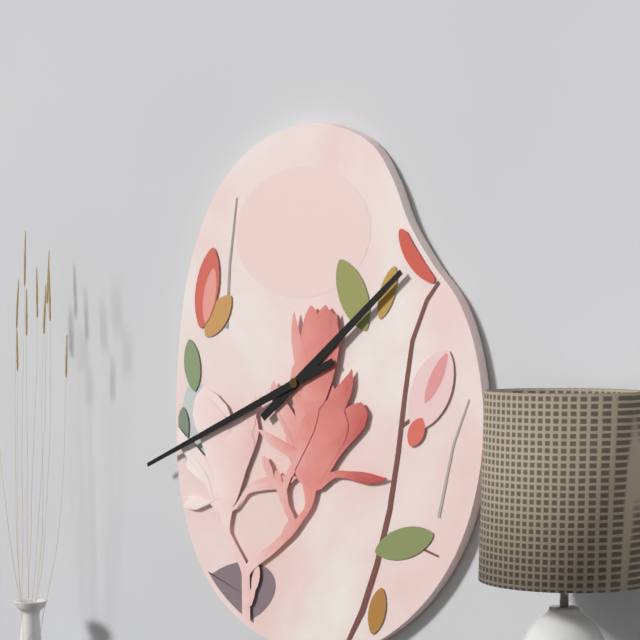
1:41
